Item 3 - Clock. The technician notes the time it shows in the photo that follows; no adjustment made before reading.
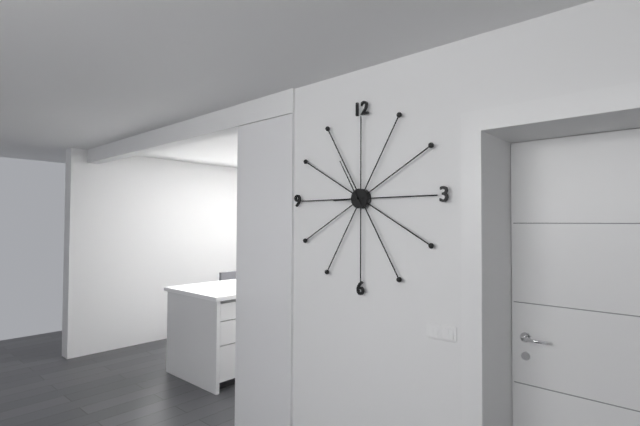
8:55
